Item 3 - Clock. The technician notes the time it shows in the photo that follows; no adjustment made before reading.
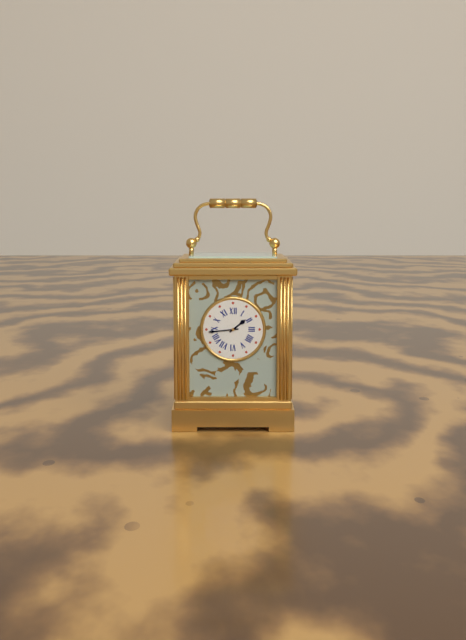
1:44
